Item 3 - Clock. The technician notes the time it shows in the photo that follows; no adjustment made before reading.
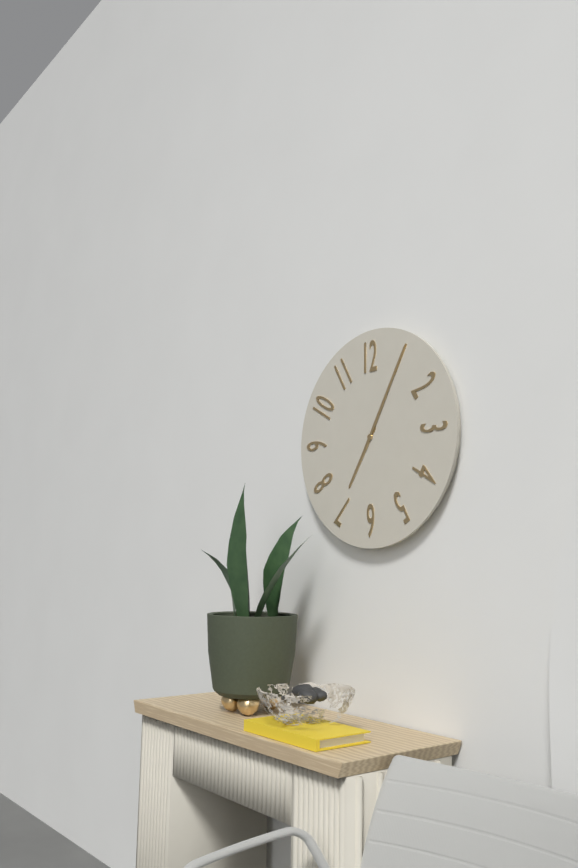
7:05
